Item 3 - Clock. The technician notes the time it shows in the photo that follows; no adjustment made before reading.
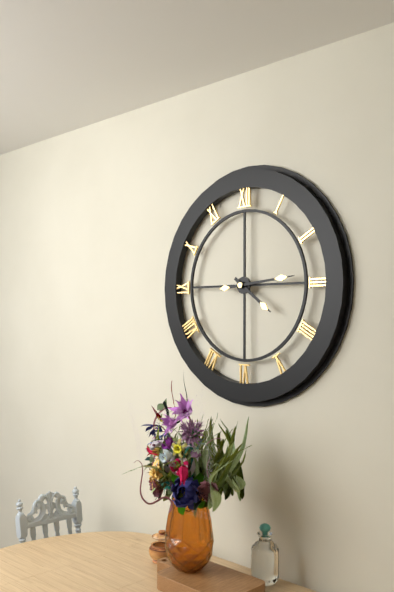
4:14
